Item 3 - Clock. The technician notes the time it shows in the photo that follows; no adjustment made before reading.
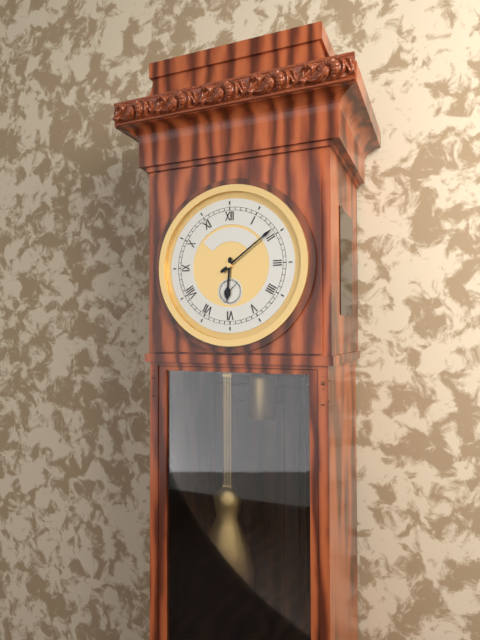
6:09
